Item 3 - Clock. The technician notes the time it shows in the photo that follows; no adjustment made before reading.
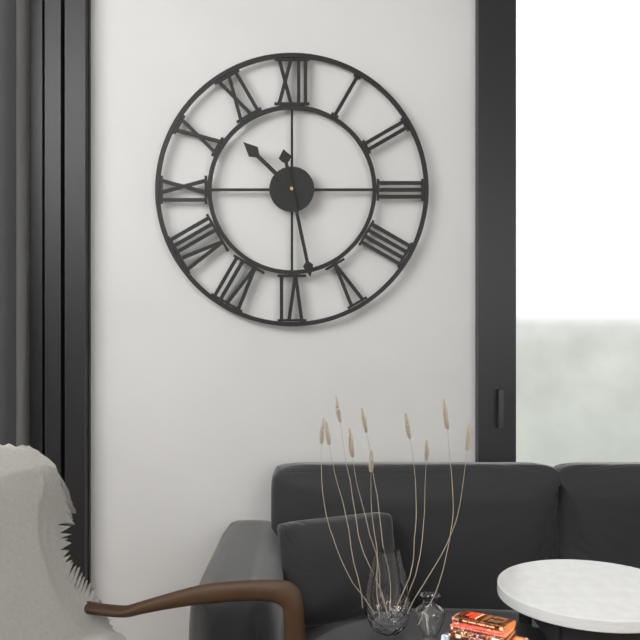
10:28
